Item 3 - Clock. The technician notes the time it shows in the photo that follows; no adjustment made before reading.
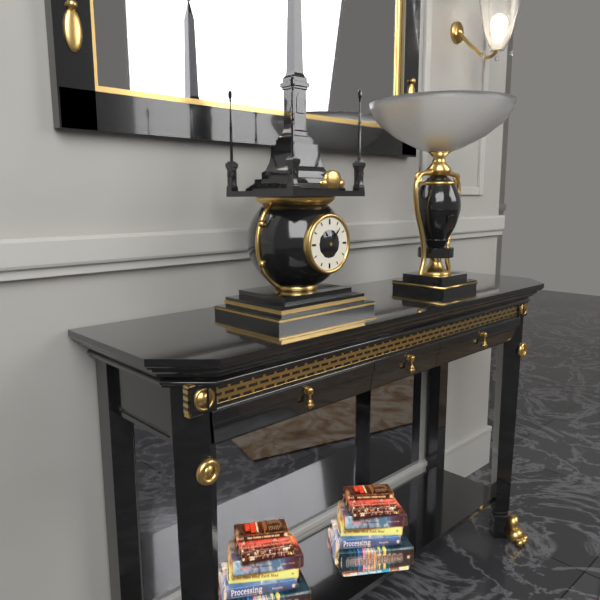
11:07
